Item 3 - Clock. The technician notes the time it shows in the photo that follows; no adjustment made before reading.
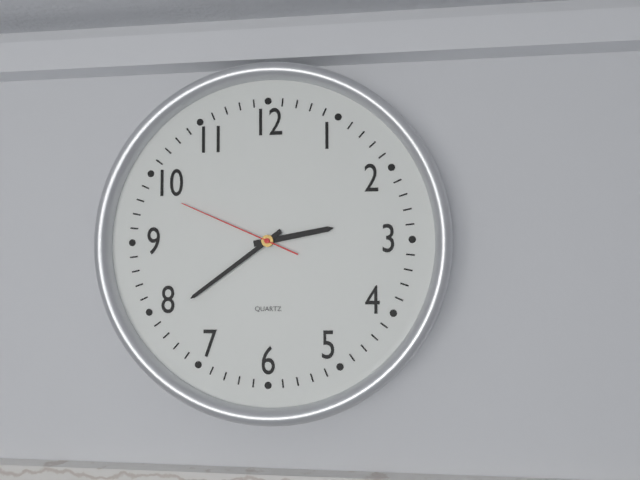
2:39:49
